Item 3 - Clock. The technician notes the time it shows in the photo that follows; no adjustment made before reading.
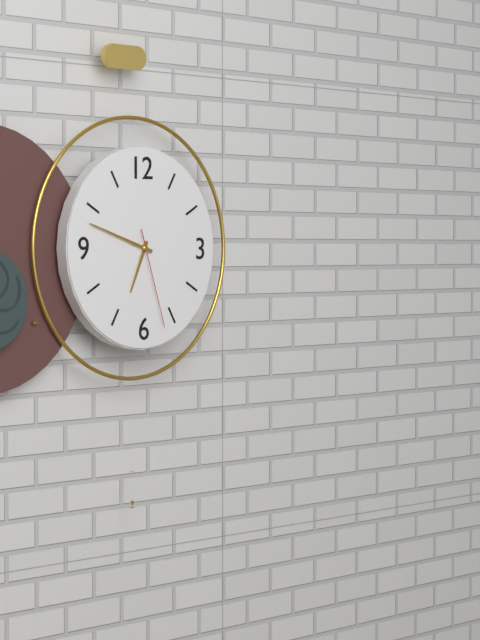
6:48:27
